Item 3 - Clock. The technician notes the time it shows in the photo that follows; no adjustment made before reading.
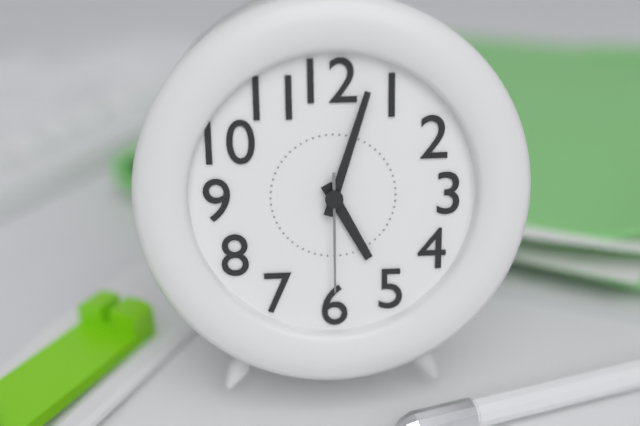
5:03:30
